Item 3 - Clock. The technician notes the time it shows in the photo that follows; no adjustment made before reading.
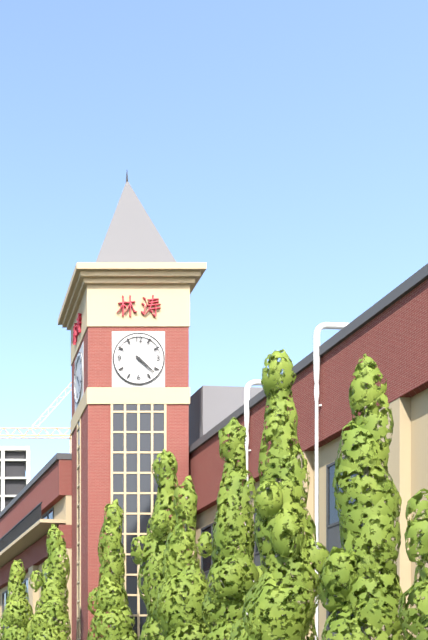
4:22
